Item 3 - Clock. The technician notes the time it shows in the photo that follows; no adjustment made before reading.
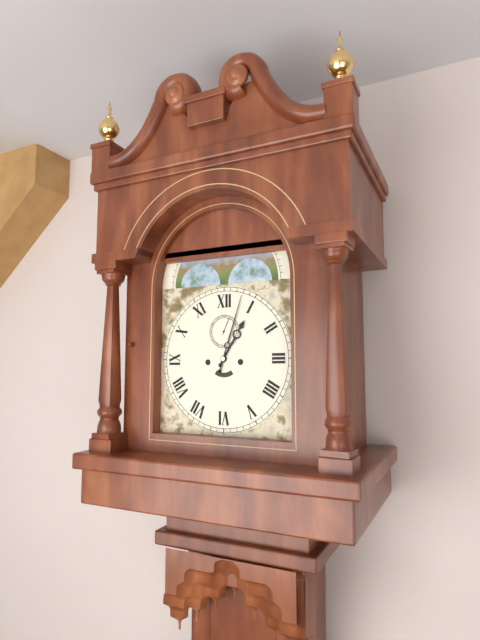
1:03
